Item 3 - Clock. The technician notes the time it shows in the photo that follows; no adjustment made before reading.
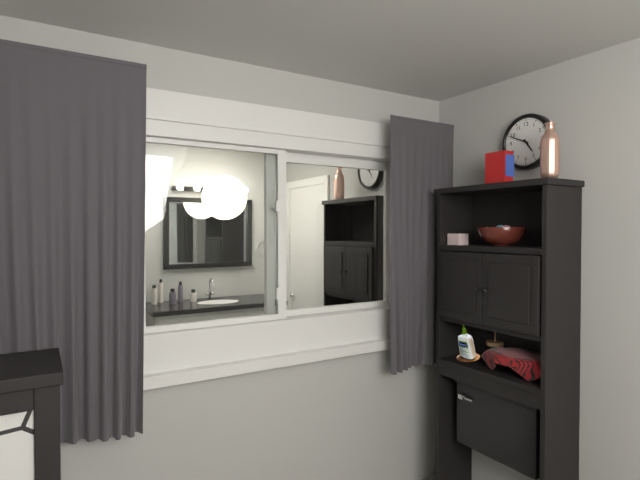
4:49
